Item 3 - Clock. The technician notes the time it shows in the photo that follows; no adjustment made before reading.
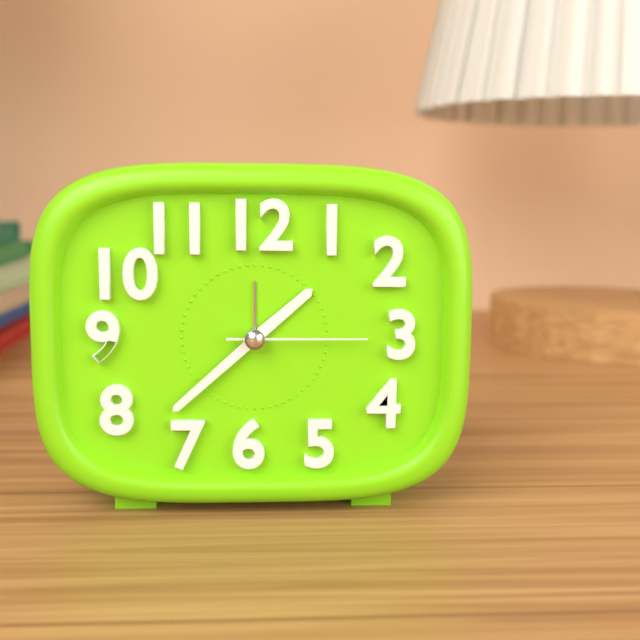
1:38:15
